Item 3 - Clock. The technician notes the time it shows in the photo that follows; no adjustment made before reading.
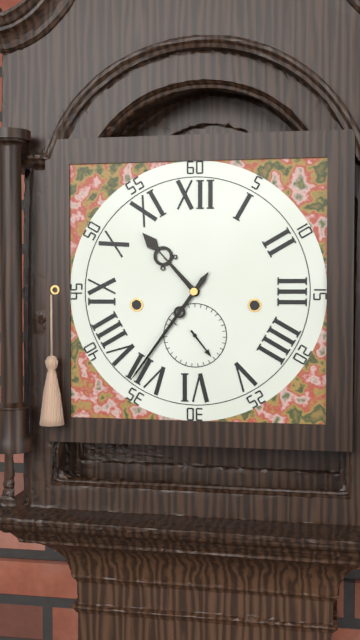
10:36
